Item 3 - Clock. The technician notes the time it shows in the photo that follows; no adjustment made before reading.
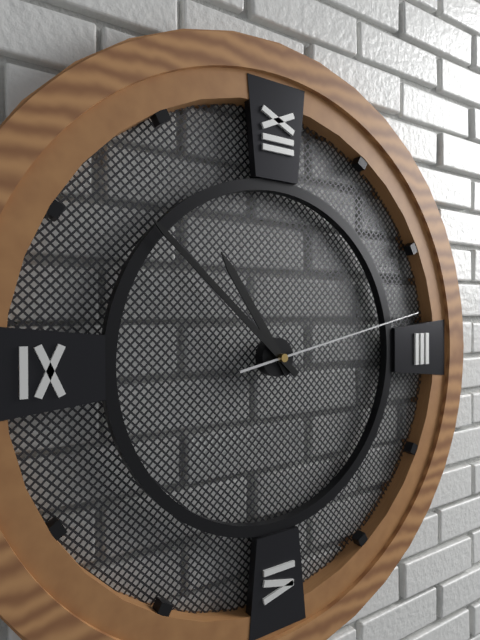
10:52:13
